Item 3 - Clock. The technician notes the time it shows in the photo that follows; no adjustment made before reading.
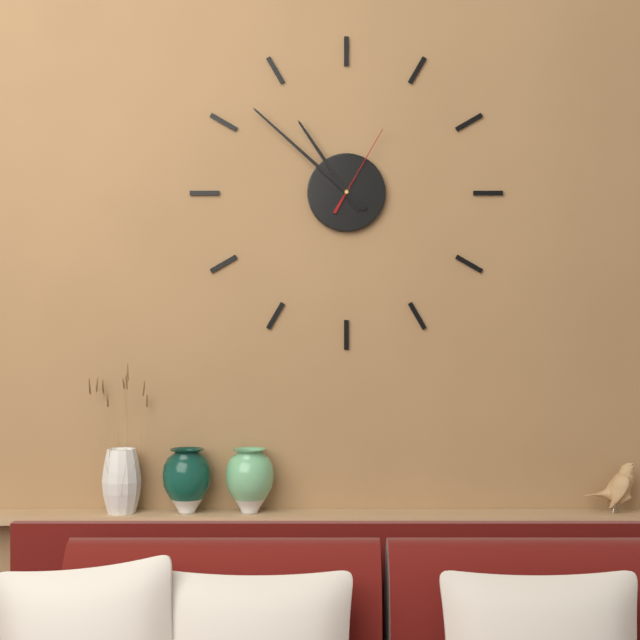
10:52:05
